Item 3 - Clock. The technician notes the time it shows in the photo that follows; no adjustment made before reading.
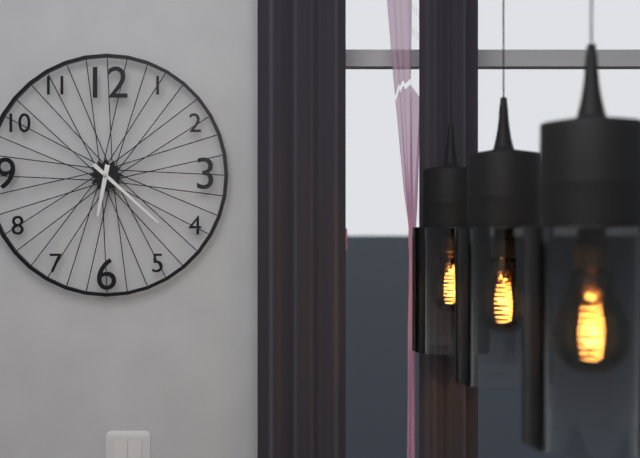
6:22
